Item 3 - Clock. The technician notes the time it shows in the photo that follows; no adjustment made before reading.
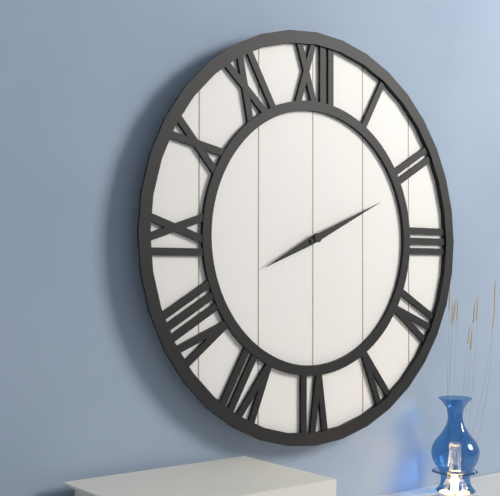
8:11
